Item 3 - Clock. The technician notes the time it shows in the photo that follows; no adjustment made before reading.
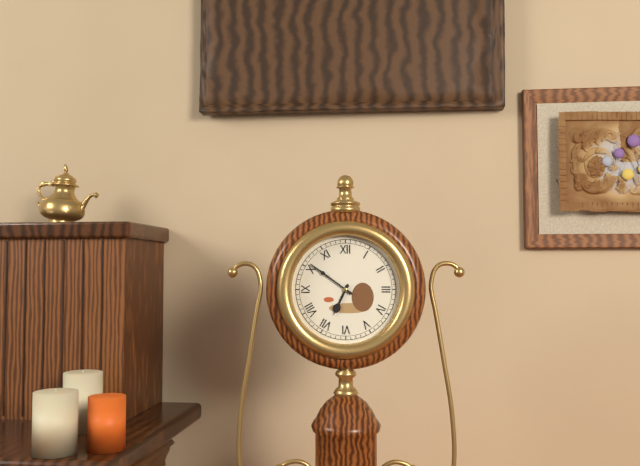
6:51
